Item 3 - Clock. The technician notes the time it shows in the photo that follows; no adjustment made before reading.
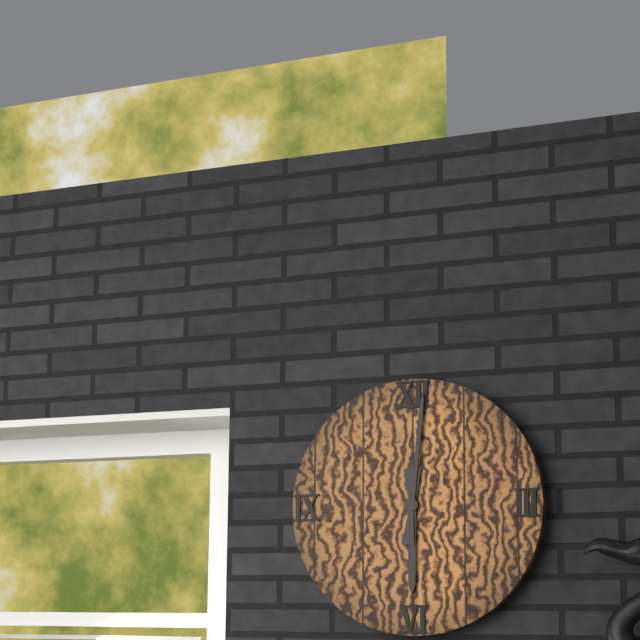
6:01
